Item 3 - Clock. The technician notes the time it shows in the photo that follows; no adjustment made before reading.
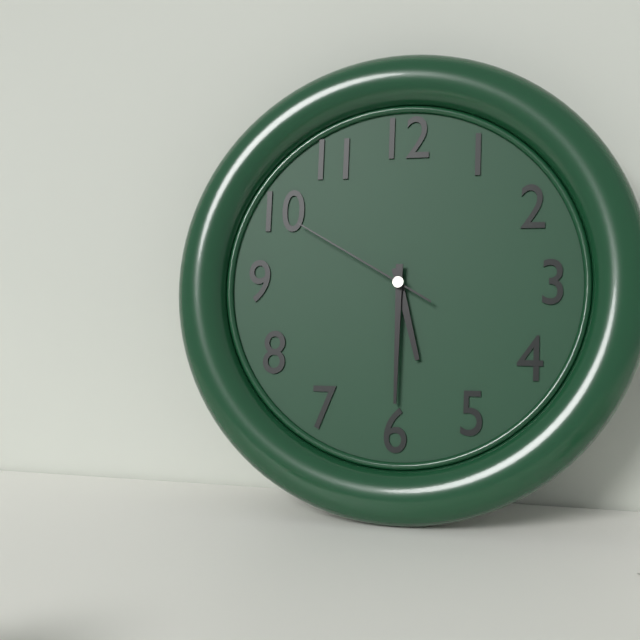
5:30:50
